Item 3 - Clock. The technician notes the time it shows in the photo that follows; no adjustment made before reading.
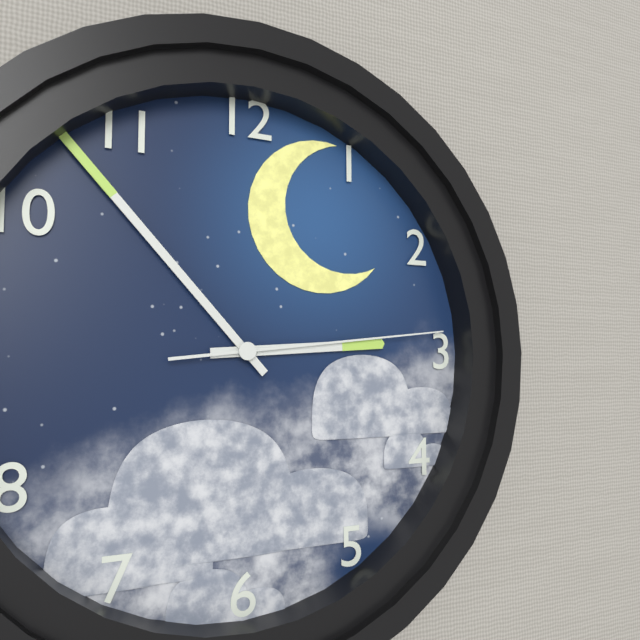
2:53:14
